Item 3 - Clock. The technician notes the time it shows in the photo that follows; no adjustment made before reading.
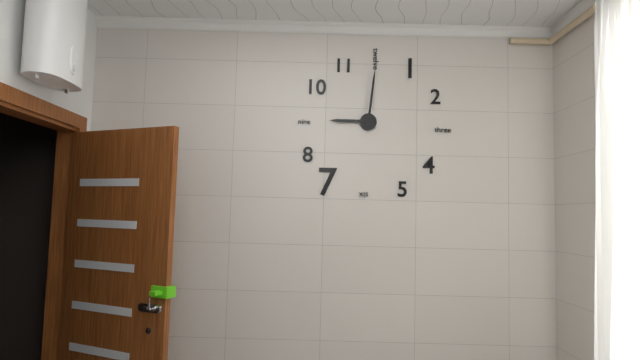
9:01
